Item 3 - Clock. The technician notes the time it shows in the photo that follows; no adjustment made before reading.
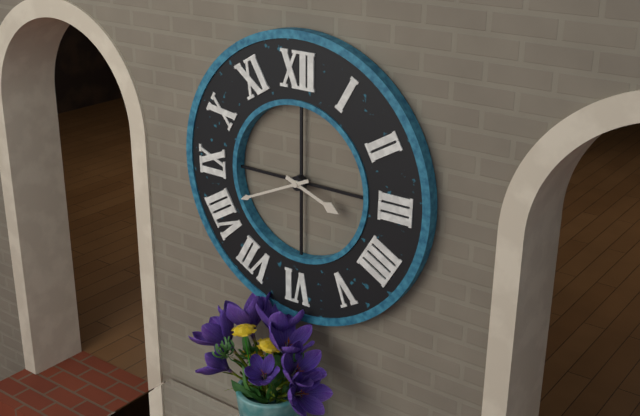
3:41
